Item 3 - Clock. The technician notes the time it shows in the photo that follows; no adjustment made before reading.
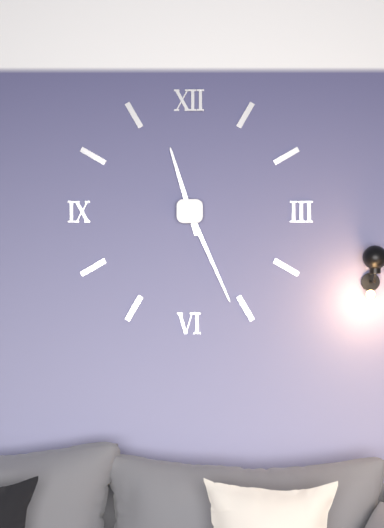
11:26
